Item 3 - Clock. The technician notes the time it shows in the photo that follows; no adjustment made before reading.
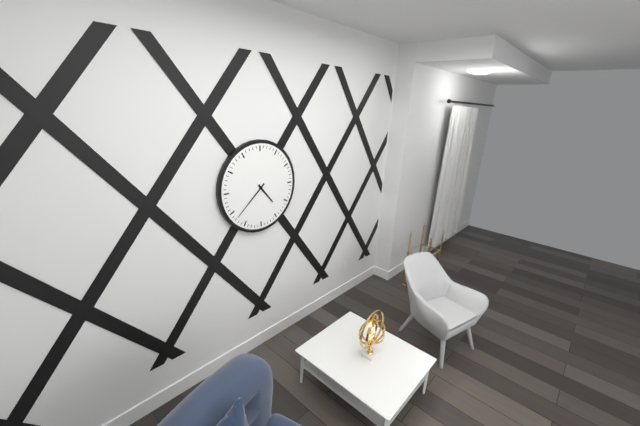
4:38
